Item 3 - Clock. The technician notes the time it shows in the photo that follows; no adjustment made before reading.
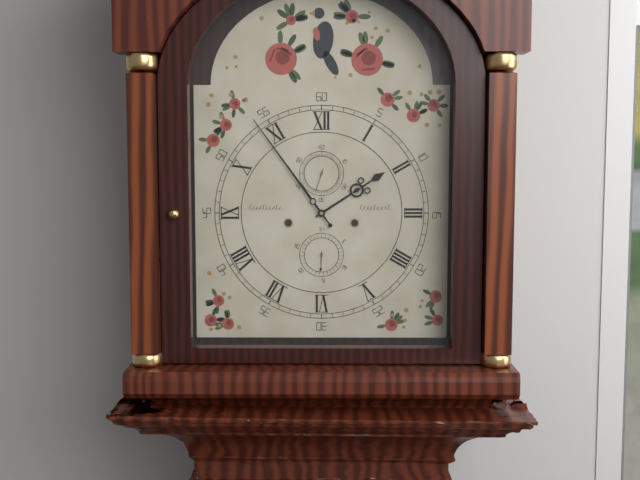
1:54
